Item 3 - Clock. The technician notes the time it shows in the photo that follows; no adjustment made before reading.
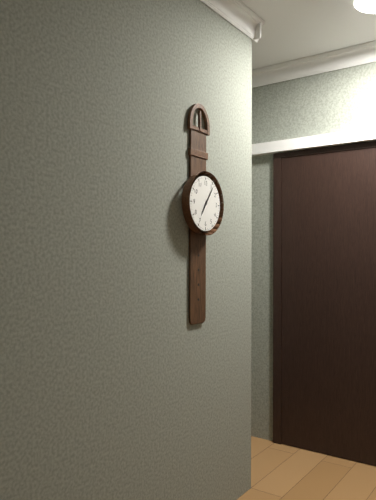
7:06
